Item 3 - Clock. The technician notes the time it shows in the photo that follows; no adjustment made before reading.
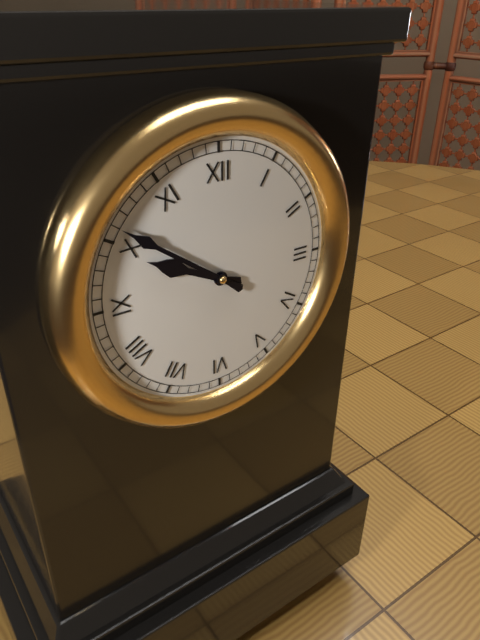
9:51
